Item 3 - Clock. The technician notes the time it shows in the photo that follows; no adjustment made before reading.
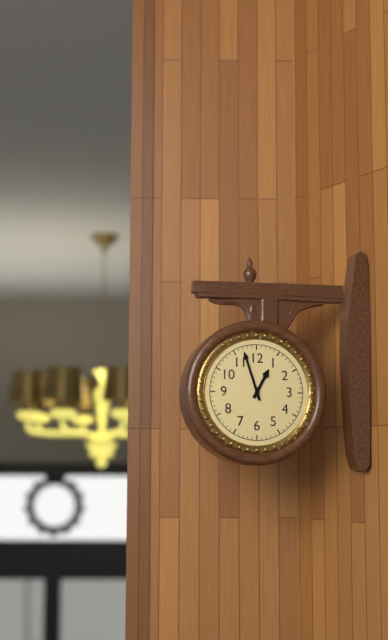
12:57
